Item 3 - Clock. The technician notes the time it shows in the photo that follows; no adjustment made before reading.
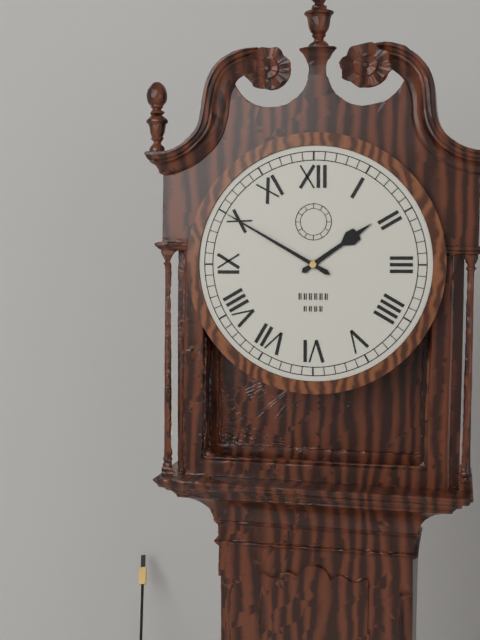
1:50
